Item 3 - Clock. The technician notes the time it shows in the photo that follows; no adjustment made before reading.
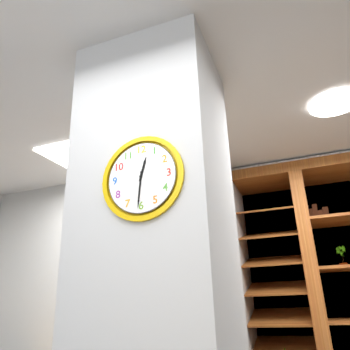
12:31
